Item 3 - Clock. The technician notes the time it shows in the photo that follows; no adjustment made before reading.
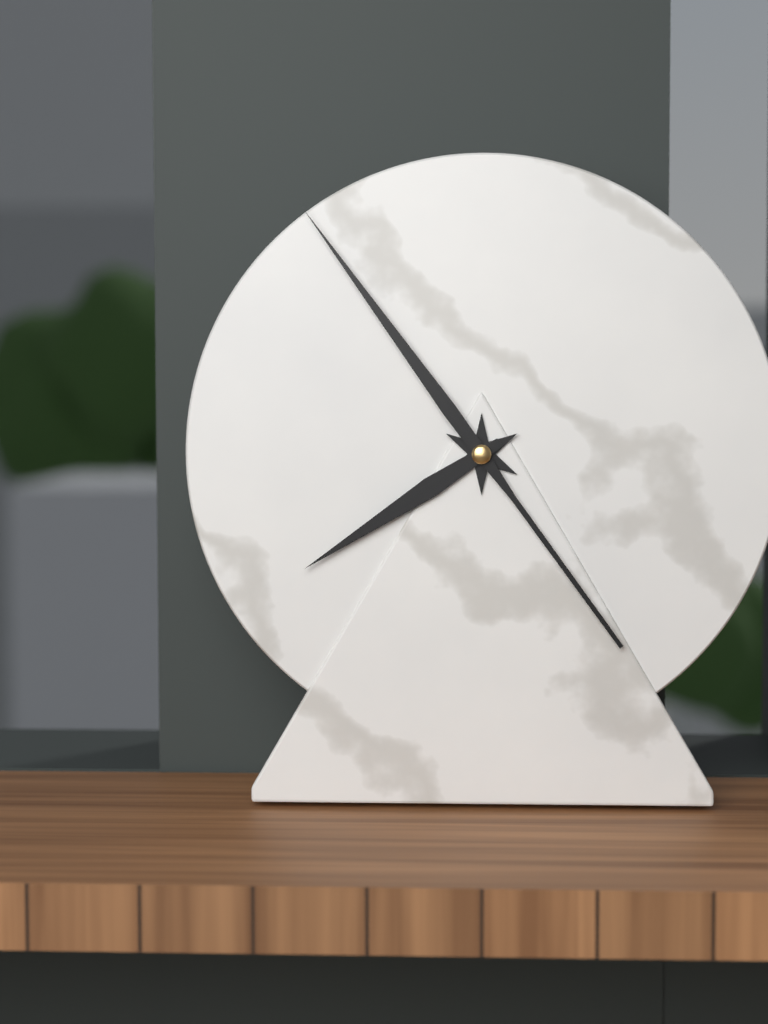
7:54
